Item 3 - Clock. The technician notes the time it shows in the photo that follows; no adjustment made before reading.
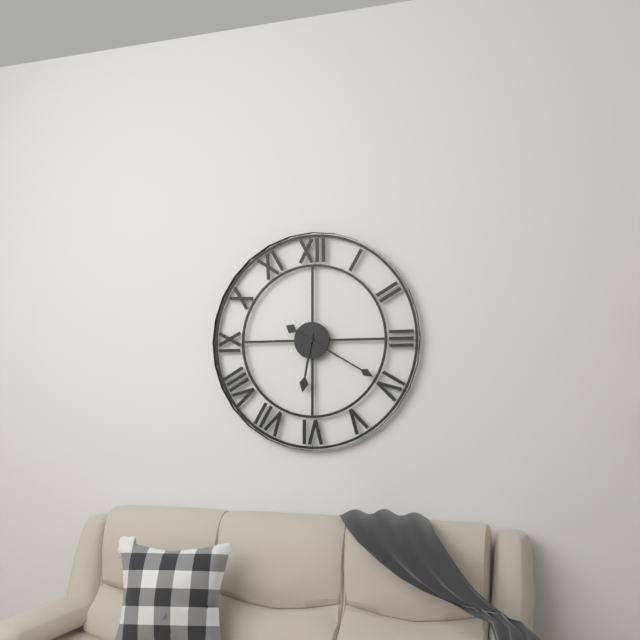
6:20
